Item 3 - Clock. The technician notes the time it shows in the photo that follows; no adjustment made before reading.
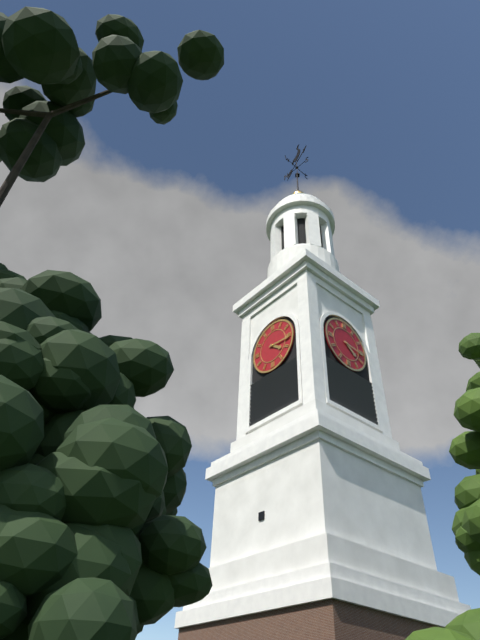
4:16
